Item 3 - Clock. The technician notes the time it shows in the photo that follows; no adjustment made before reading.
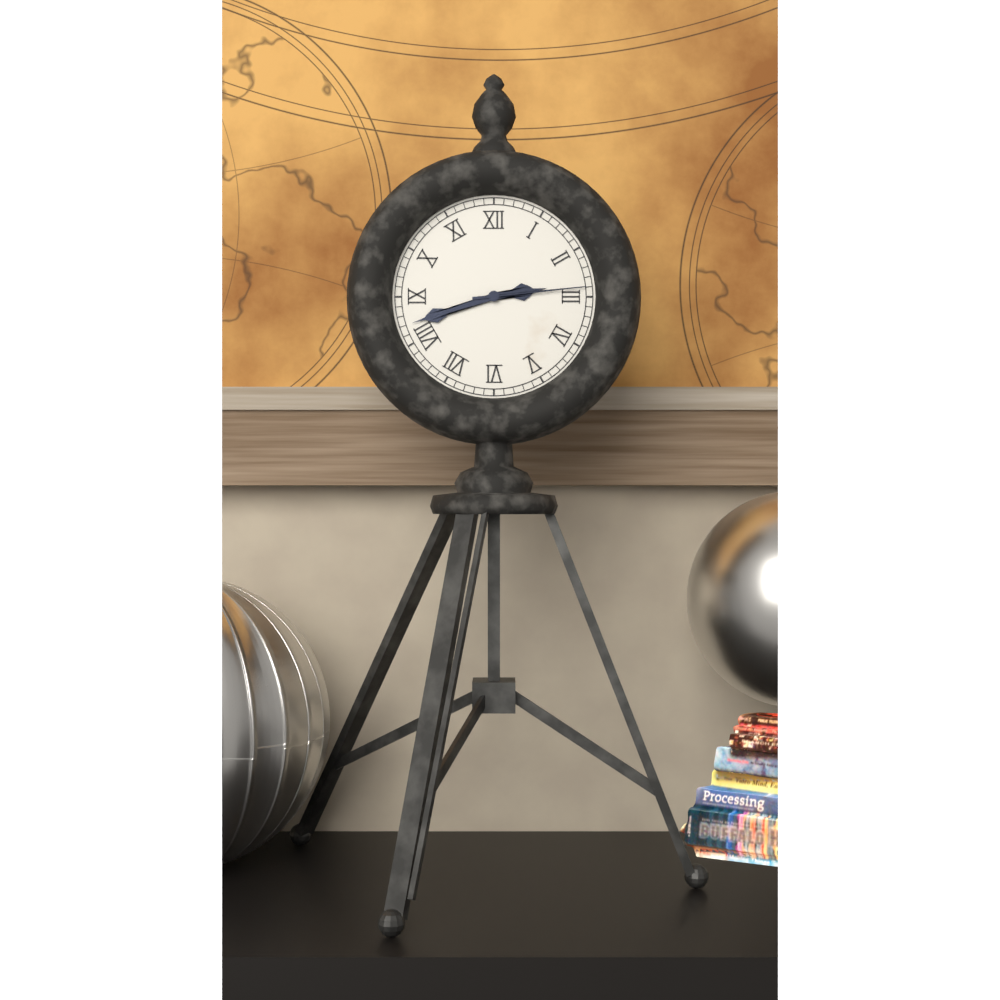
2:42:14
